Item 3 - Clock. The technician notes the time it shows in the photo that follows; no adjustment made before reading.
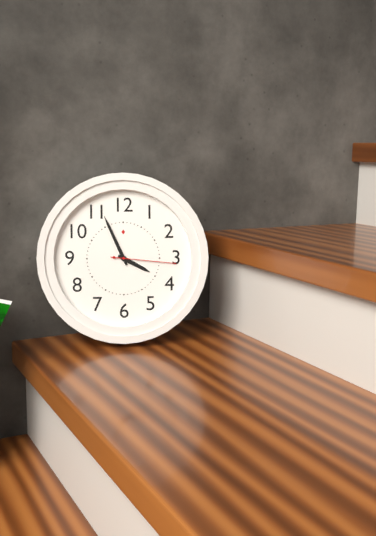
3:56:16
